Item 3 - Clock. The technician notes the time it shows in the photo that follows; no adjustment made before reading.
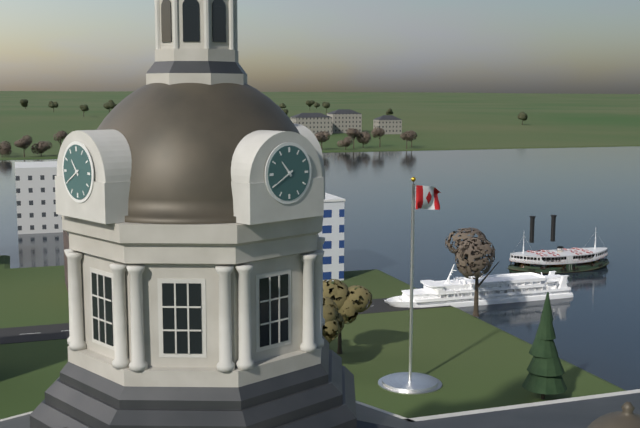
10:40
